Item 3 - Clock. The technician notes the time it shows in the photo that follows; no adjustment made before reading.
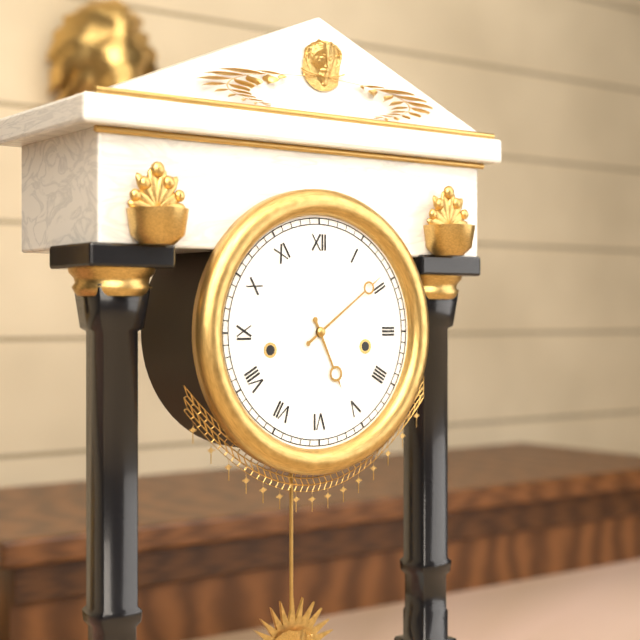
5:09
